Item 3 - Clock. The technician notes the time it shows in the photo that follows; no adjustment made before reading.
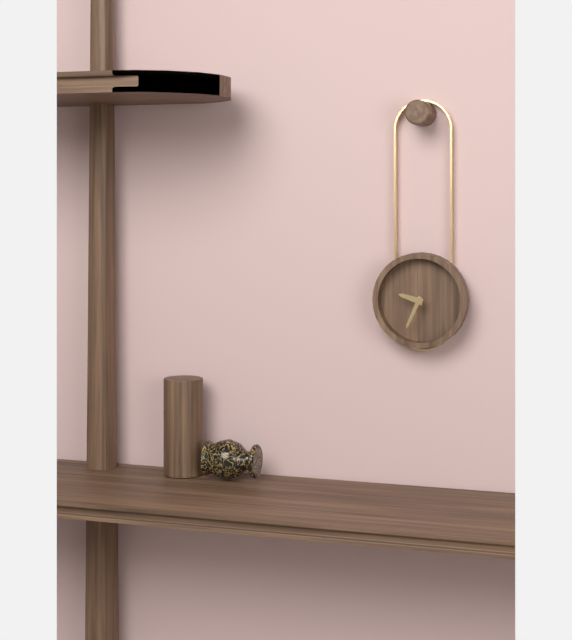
9:34
